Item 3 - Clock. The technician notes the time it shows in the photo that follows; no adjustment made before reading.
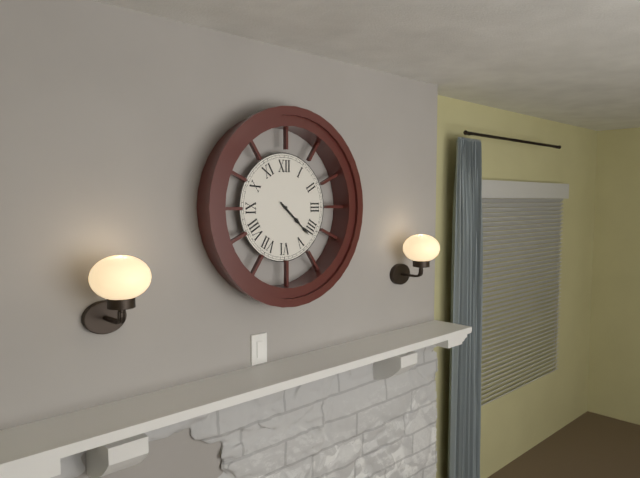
4:22
